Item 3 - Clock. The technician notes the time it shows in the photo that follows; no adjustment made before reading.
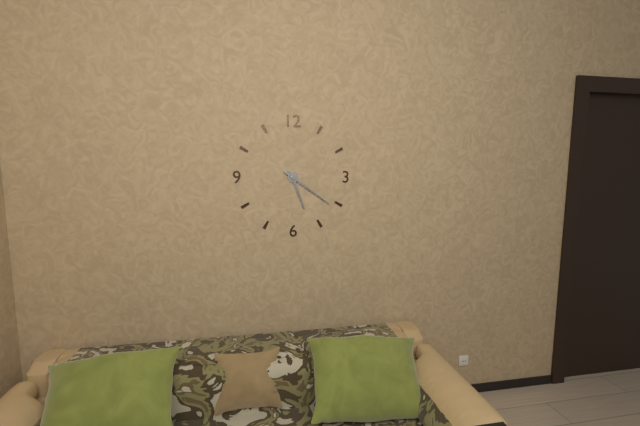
5:21
